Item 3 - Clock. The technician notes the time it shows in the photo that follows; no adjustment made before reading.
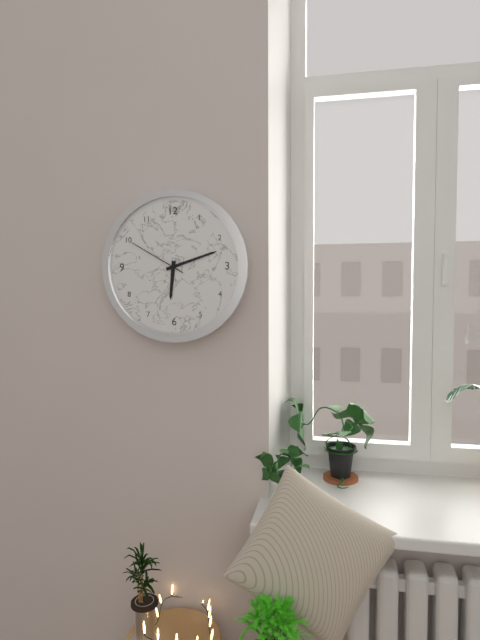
6:12:50
